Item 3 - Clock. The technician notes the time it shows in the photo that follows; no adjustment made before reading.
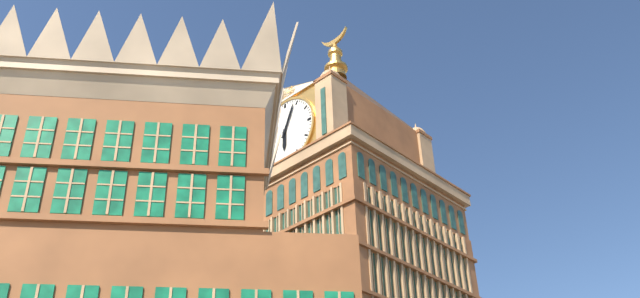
6:04
